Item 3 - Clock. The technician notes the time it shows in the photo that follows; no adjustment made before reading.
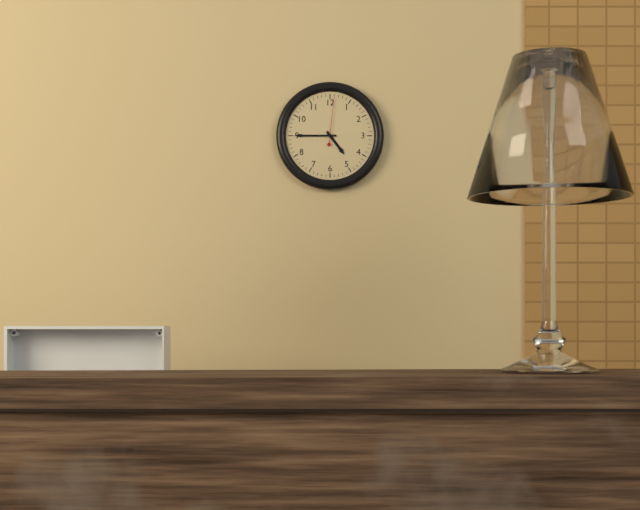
4:45
